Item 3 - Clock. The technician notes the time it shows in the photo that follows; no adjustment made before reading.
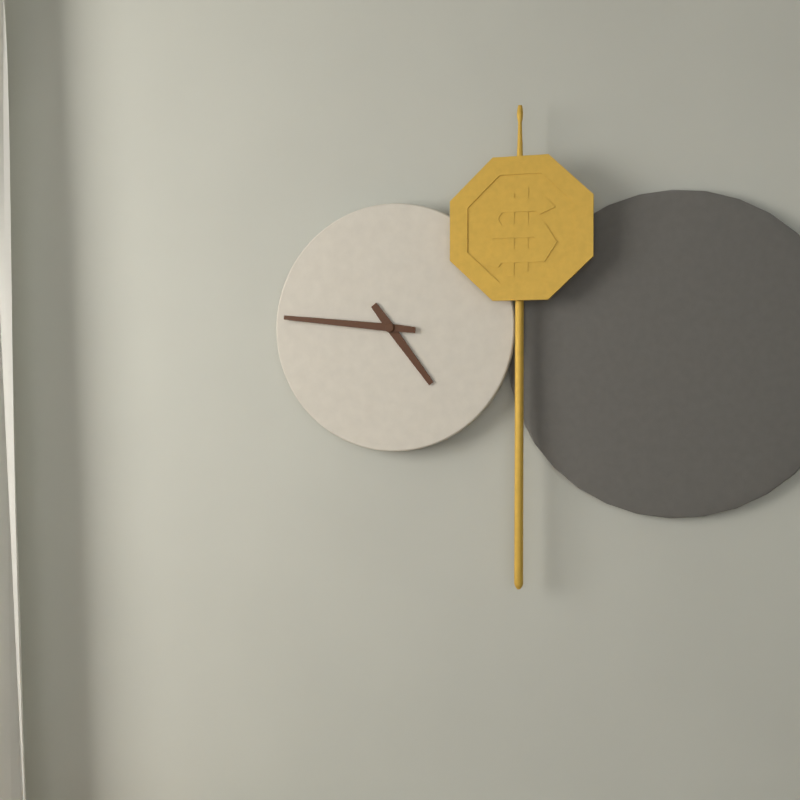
4:46
